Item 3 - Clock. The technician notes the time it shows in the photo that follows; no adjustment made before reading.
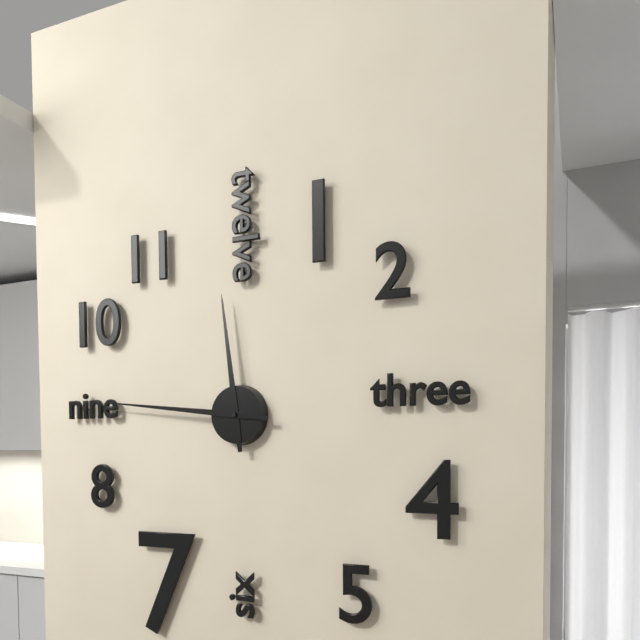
11:46
